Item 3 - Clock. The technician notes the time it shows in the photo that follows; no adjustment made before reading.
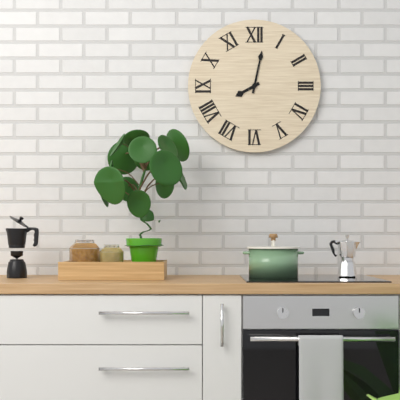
8:02
